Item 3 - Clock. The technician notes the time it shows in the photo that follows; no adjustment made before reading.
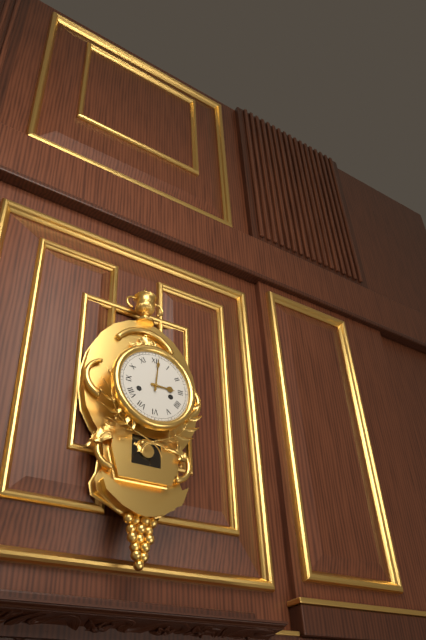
3:01
